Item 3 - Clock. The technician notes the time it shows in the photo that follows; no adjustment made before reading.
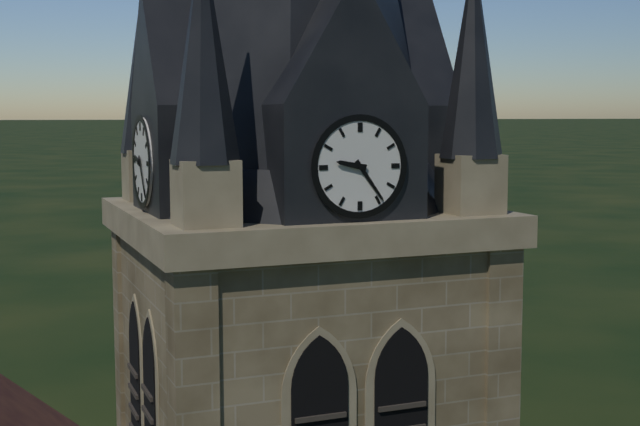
9:24
